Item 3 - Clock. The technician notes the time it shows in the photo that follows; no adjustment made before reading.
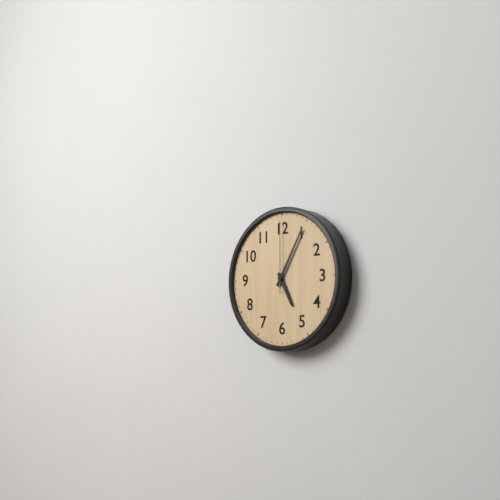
5:05:00
